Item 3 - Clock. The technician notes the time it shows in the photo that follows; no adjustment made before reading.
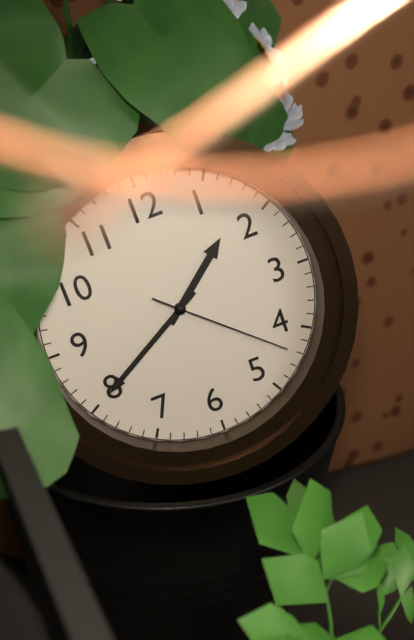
1:40:22
